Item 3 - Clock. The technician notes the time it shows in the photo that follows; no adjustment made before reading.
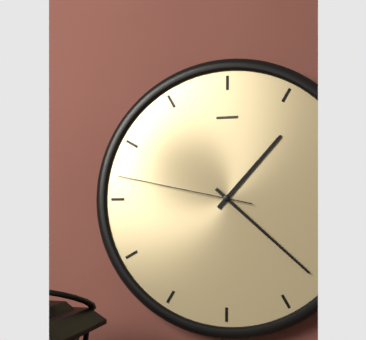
1:22:47
